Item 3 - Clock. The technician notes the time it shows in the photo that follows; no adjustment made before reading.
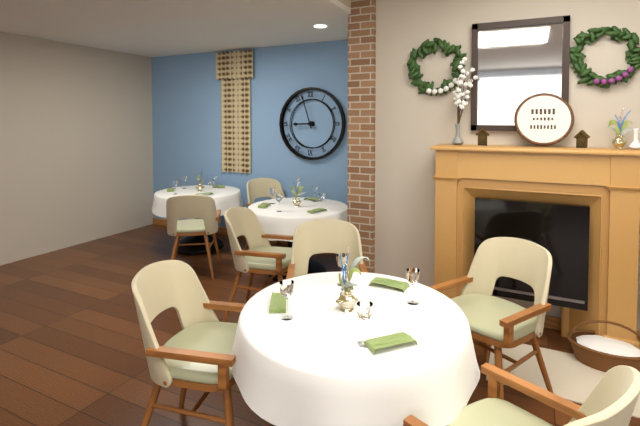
8:57
